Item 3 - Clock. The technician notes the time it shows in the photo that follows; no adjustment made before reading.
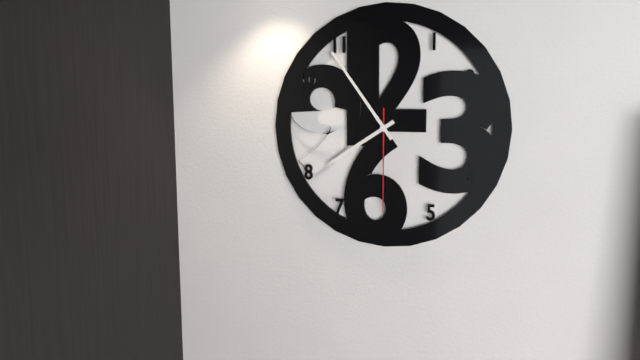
7:54:30
